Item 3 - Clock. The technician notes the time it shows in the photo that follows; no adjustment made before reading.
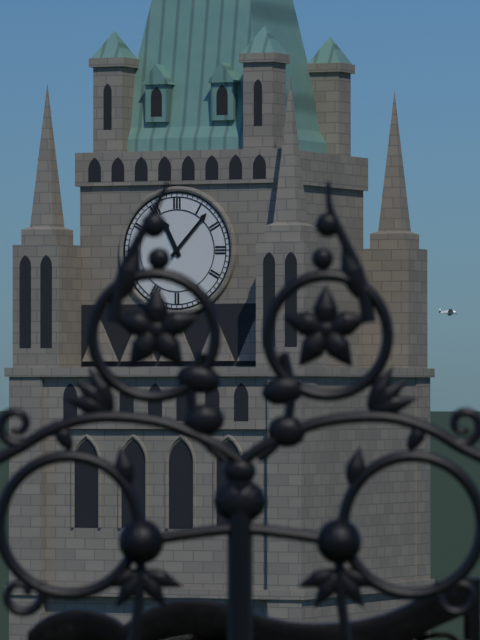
11:07
